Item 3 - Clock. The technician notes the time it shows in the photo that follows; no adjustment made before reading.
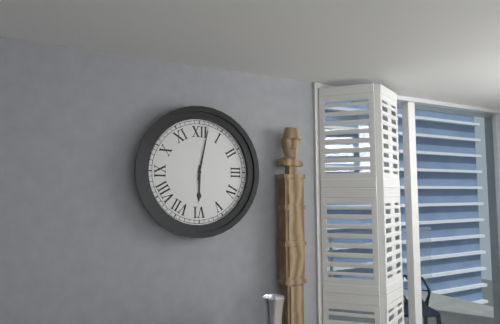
6:02
